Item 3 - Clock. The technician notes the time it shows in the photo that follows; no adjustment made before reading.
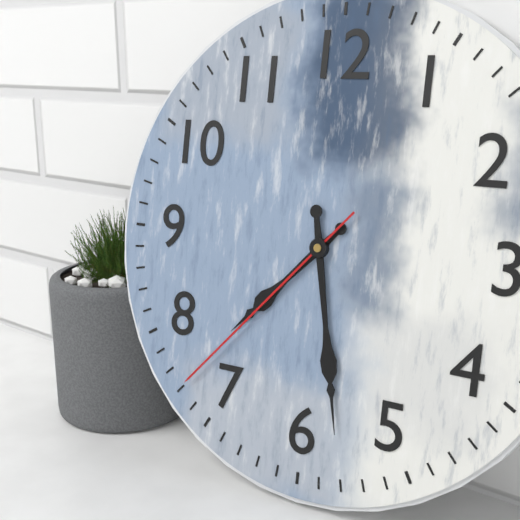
7:28:37
